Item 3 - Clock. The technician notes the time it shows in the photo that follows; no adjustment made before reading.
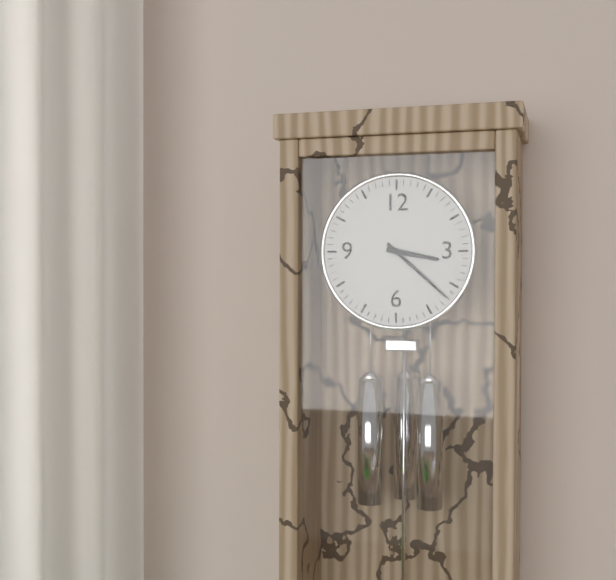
3:22
